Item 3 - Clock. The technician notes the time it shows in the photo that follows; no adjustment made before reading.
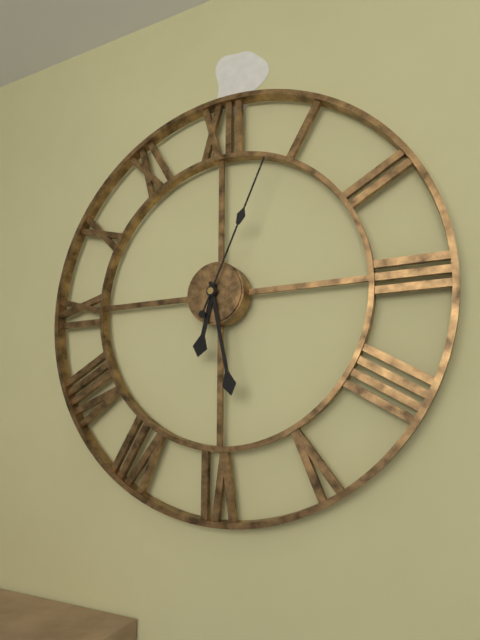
6:28:04
